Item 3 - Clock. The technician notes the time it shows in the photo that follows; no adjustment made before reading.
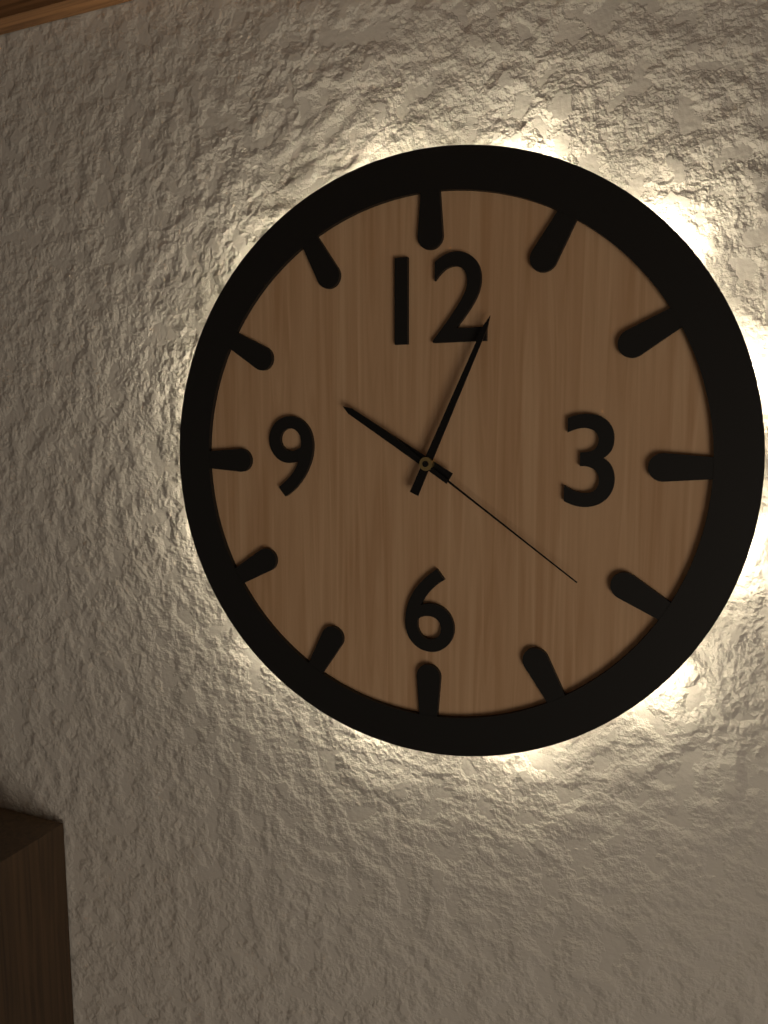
10:04:21
